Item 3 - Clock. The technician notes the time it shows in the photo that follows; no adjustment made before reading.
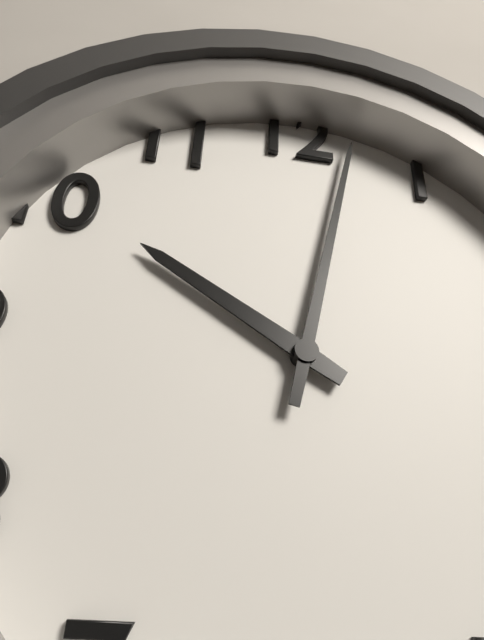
10:02
